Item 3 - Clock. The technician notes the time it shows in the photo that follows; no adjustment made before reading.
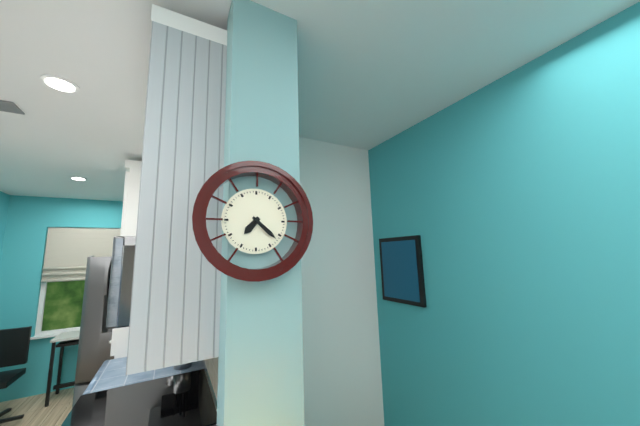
7:22
